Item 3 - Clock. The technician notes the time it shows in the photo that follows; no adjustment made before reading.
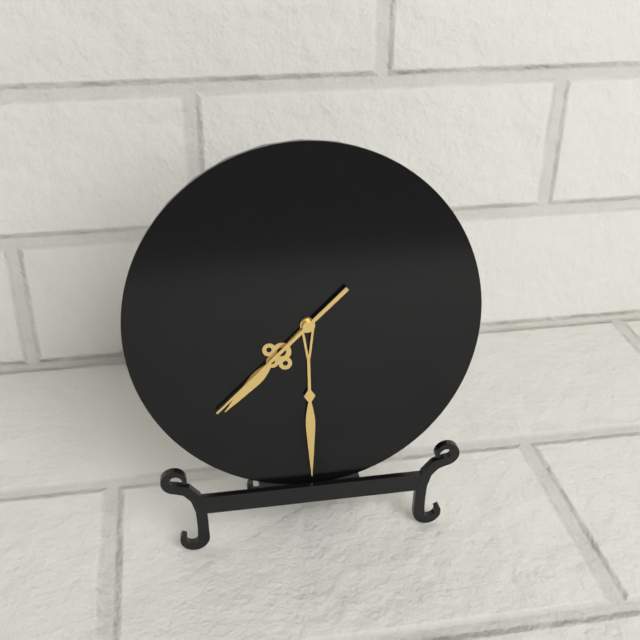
7:30:38
